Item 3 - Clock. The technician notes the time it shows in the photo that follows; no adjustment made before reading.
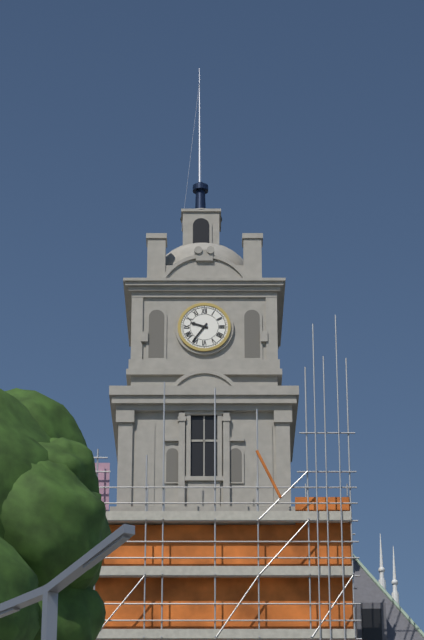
9:36
